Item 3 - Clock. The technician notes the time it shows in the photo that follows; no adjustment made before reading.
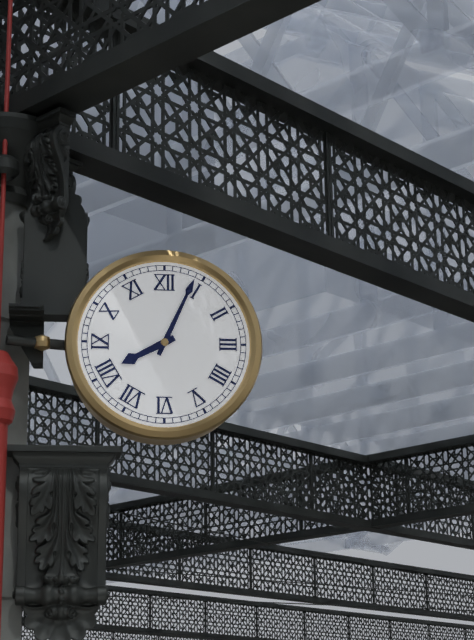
8:04
